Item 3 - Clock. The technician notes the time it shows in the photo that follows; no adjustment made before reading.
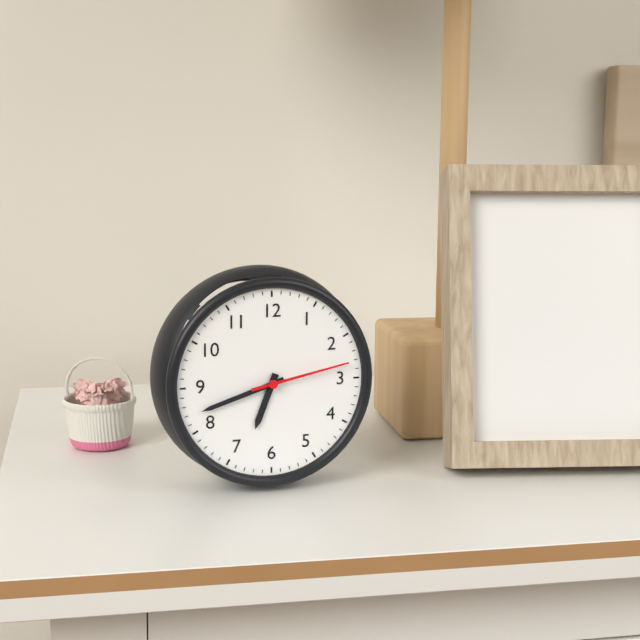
6:42:13
